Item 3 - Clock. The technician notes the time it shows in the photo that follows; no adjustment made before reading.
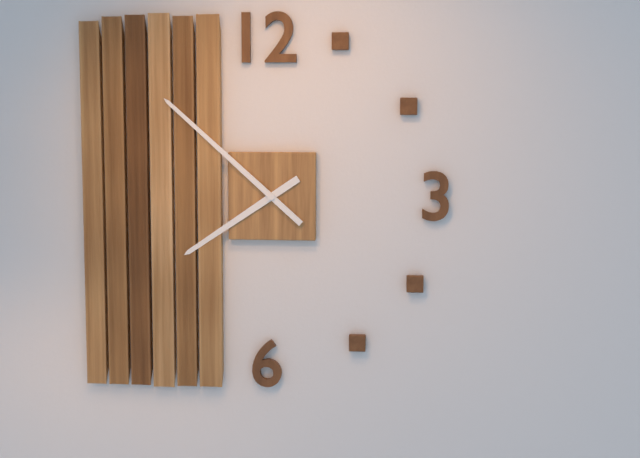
7:52
